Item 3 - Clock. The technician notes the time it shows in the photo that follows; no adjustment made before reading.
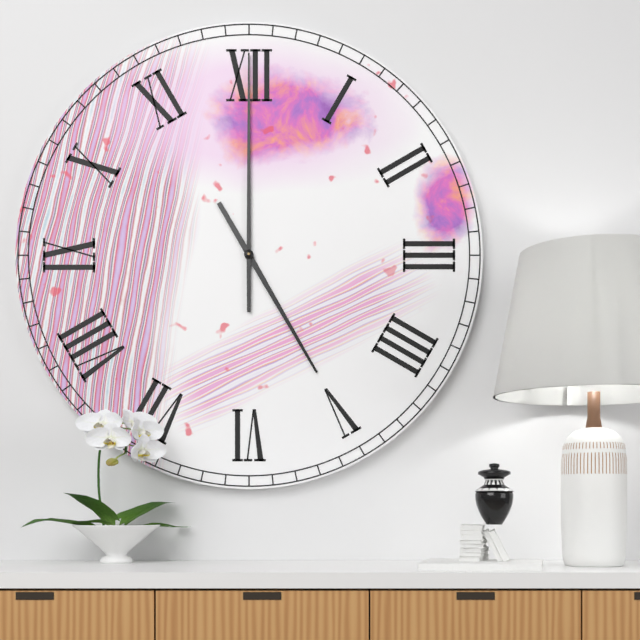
5:00
